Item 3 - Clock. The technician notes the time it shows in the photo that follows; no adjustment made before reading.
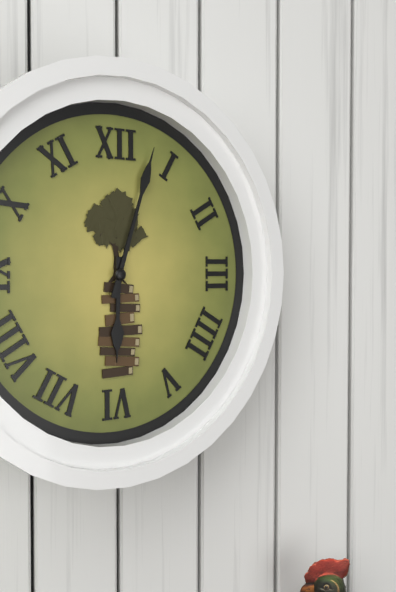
6:03
